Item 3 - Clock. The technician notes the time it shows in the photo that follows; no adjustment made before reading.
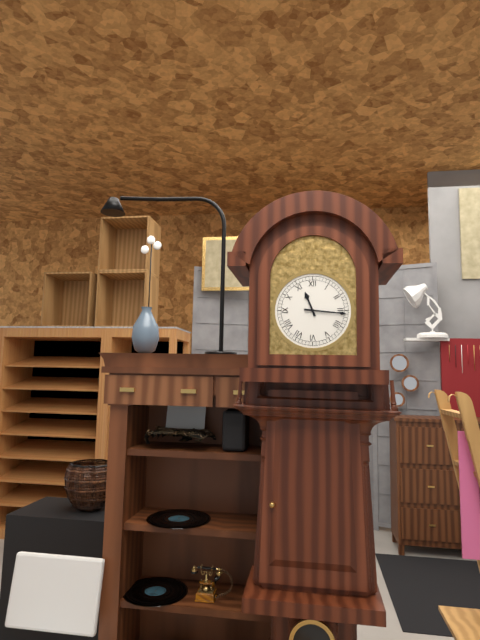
11:16
